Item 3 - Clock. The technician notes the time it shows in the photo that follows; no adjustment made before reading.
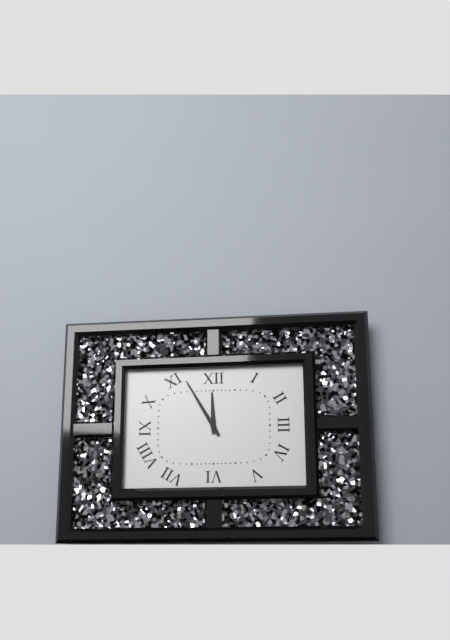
11:55
